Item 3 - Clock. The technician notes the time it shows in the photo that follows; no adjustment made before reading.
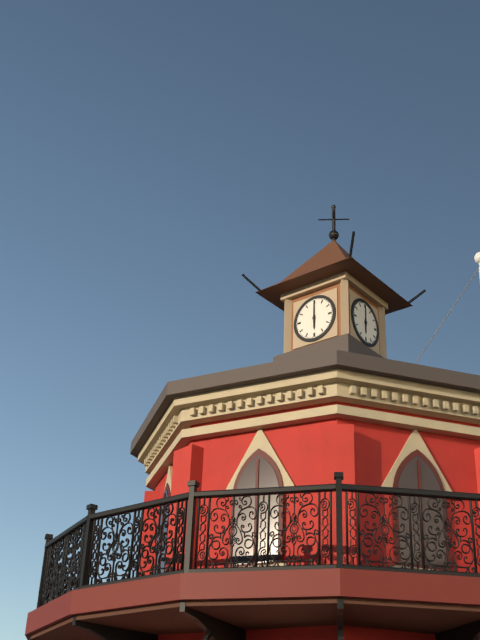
6:00
